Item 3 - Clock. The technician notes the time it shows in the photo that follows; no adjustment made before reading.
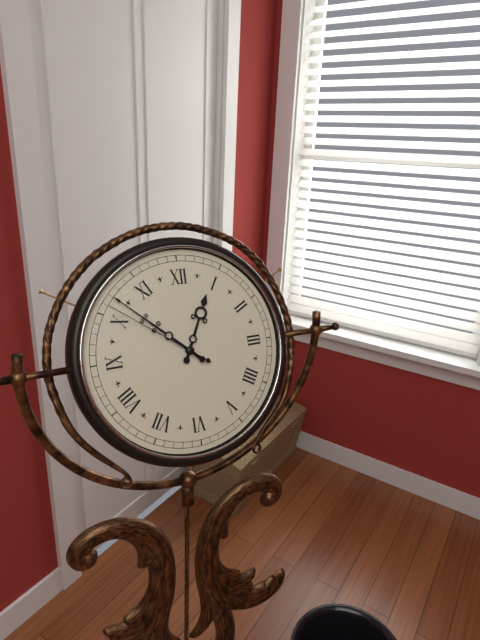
12:52:51
